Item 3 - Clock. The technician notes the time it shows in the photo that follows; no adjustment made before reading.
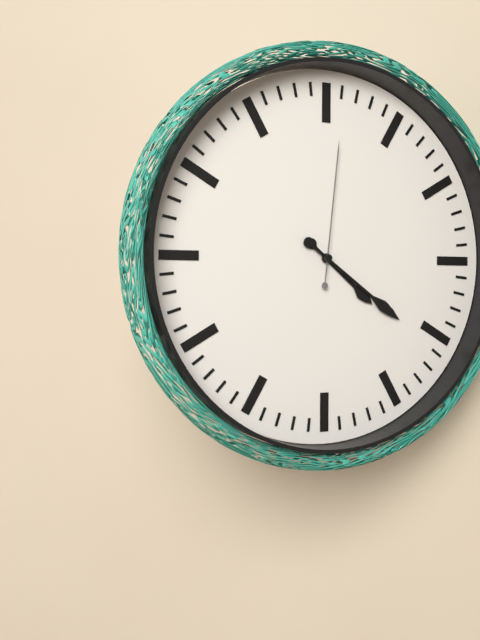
4:21:01
